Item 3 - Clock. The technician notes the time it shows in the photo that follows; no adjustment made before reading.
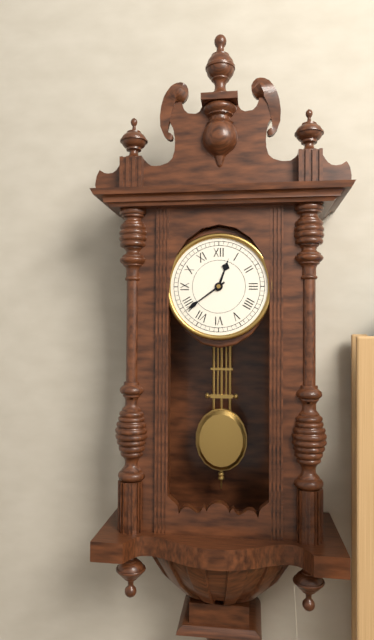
12:39
